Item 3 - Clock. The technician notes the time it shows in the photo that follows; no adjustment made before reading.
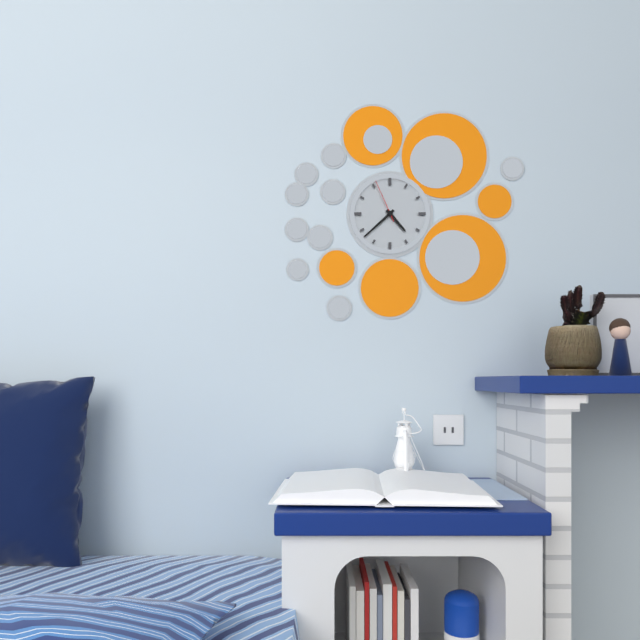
4:38
